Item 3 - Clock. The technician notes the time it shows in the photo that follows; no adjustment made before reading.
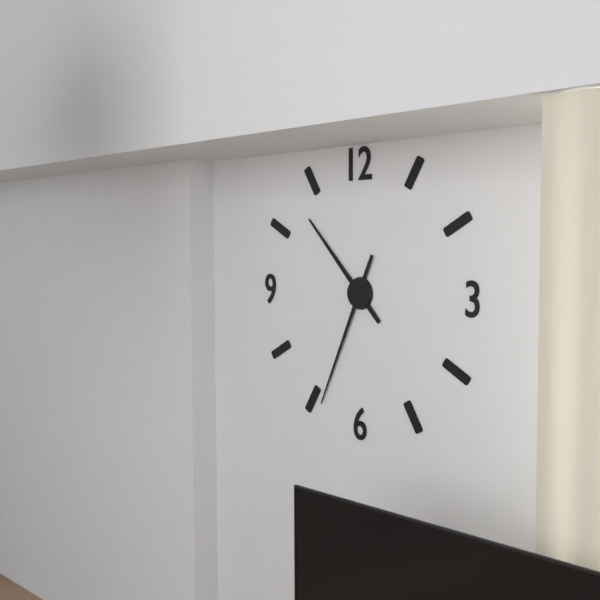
10:34
